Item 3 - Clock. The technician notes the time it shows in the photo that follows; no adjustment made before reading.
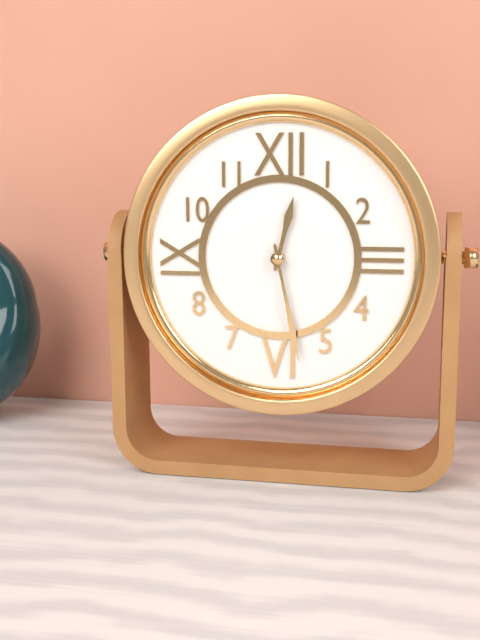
12:28
